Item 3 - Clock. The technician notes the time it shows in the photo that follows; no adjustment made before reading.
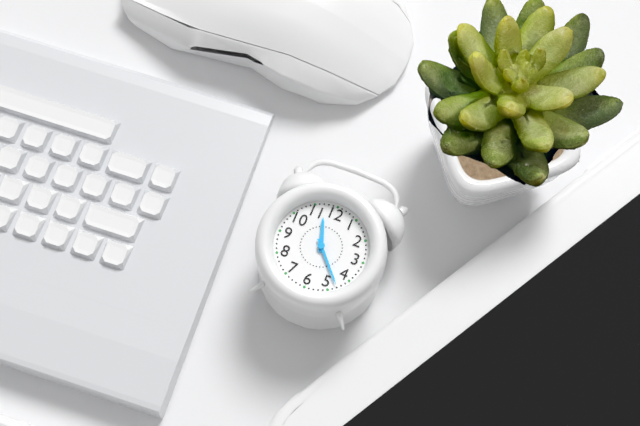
11:23
